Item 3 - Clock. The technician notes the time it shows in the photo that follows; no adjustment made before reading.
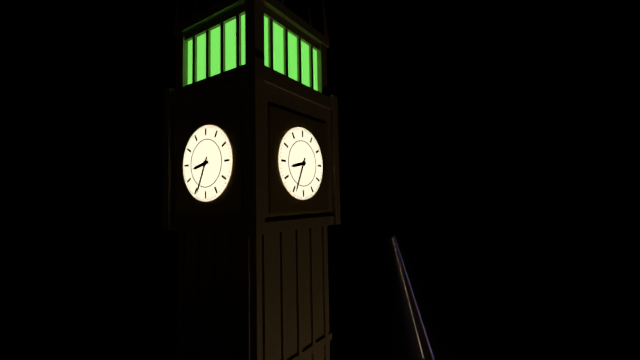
8:34
